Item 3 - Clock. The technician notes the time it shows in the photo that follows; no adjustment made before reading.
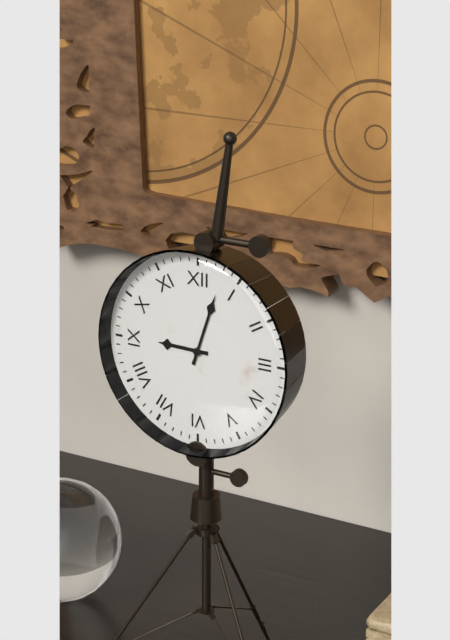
9:03
